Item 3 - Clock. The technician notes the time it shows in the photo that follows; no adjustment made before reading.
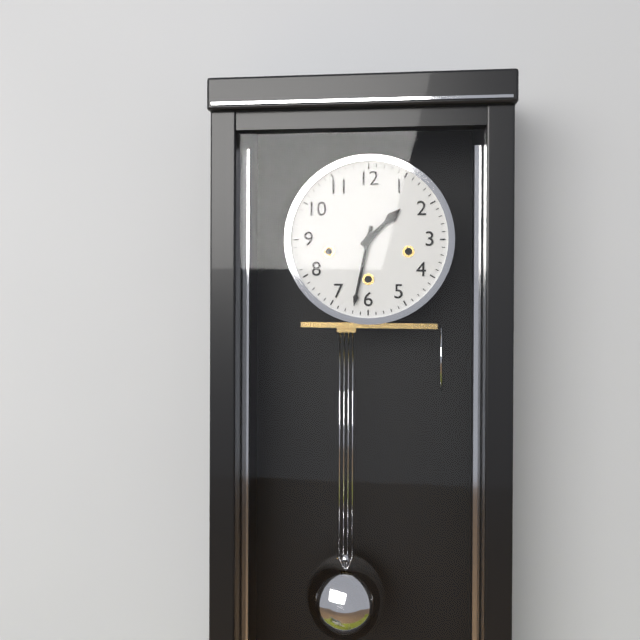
1:32
